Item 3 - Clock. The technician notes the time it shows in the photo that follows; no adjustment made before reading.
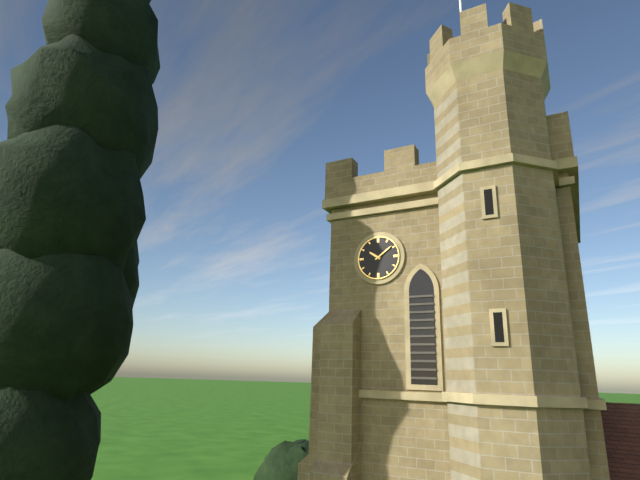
10:09
